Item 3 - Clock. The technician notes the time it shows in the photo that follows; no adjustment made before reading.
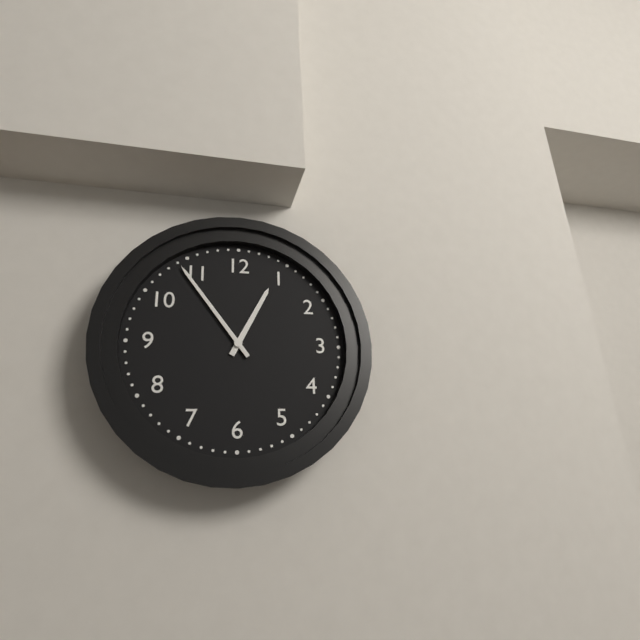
12:54
